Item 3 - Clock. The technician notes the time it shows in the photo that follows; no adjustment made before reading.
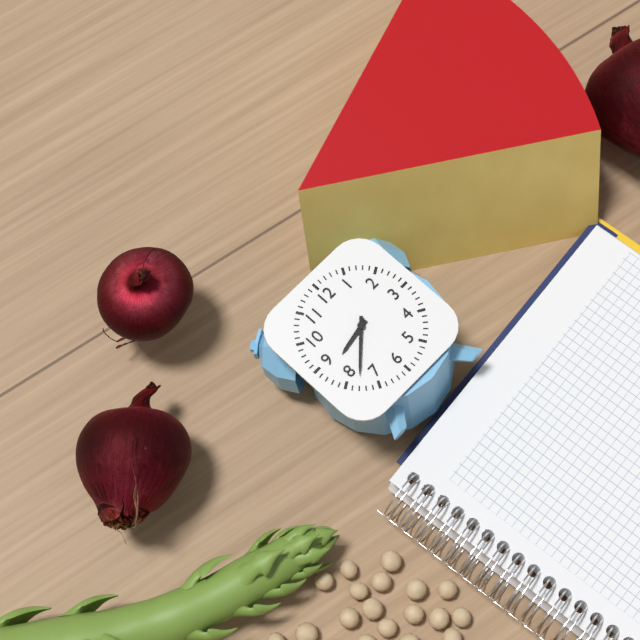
8:38
